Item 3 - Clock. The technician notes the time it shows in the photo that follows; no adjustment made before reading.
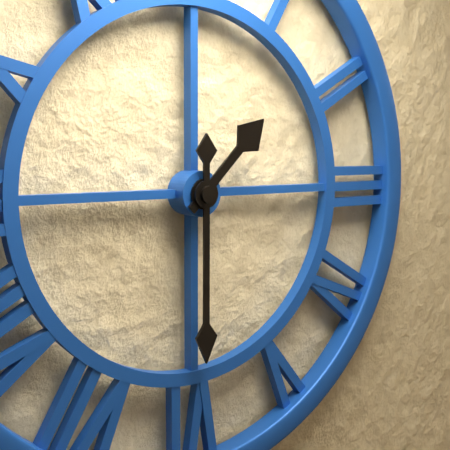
1:30
